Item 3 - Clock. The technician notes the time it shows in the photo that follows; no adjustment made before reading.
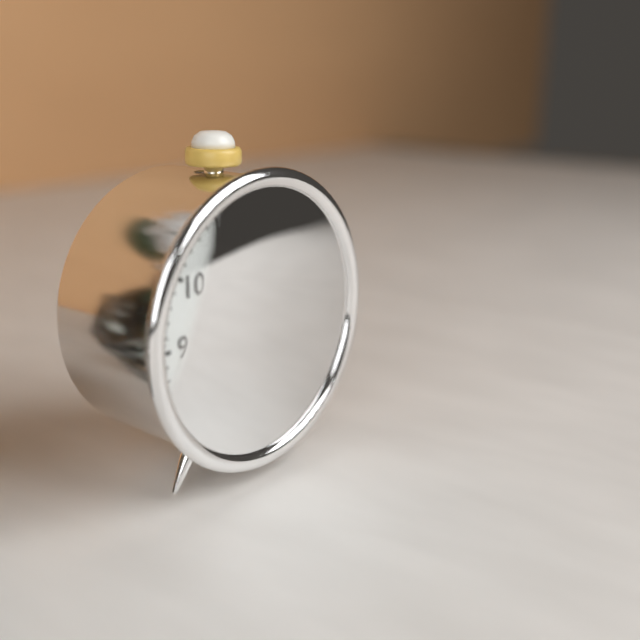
9:38
